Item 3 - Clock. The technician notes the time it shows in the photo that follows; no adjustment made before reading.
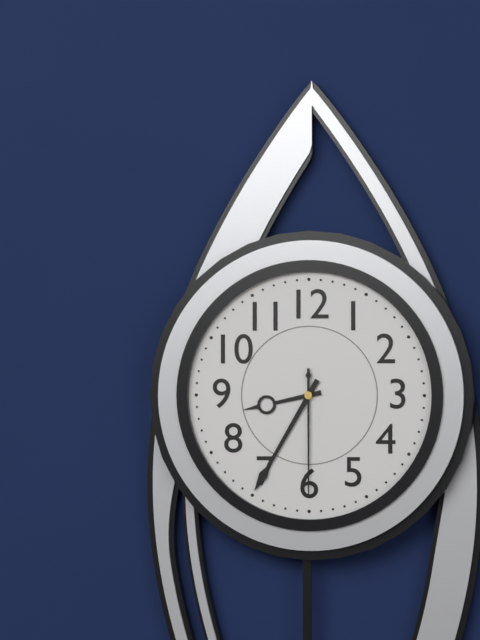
8:35:30
